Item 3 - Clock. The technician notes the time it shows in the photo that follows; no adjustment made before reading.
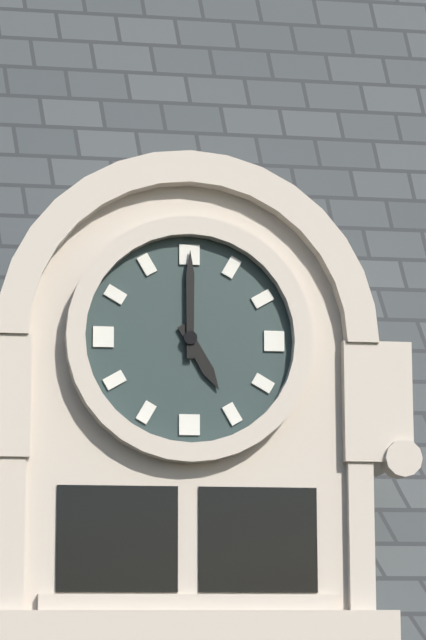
5:00
